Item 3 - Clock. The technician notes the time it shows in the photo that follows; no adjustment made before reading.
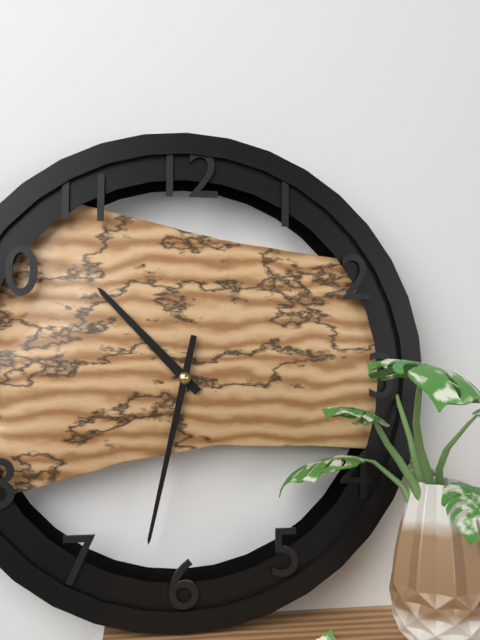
10:32
